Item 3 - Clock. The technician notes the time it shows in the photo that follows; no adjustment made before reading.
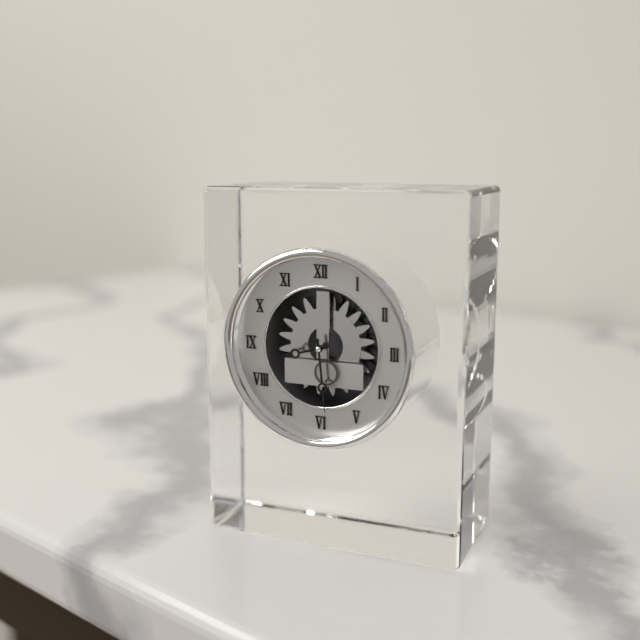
8:29
